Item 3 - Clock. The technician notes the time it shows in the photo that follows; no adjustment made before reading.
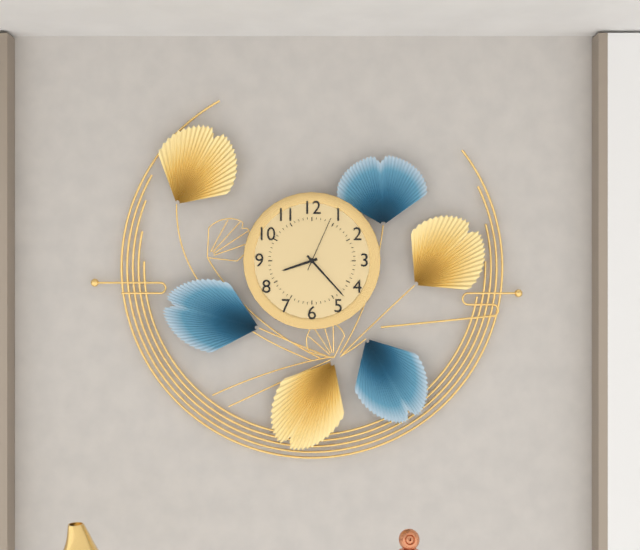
8:23:04
